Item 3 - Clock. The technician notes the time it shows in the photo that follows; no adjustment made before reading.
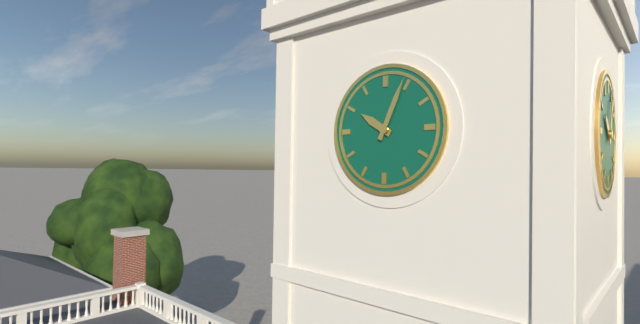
10:04
